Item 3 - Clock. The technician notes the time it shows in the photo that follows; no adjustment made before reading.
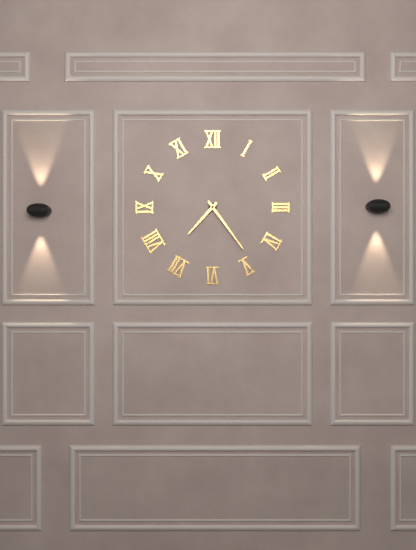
7:24
